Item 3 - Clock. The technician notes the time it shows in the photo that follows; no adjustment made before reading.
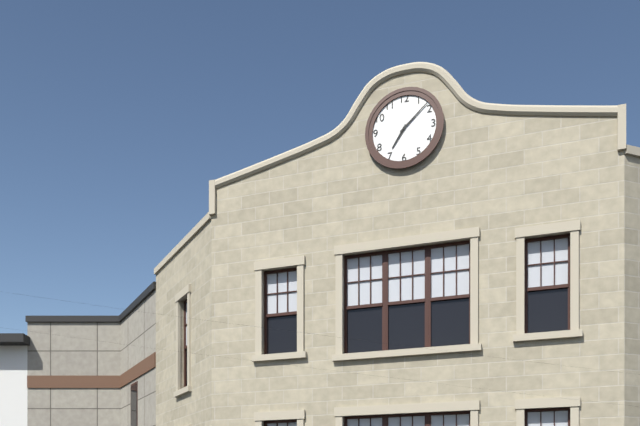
7:08
